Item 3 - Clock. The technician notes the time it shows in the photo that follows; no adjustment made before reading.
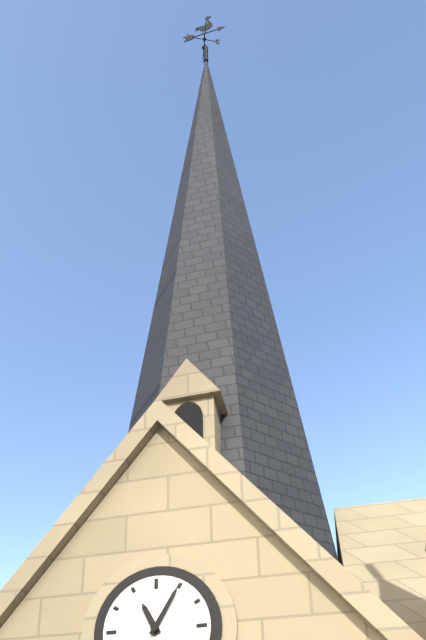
11:05
